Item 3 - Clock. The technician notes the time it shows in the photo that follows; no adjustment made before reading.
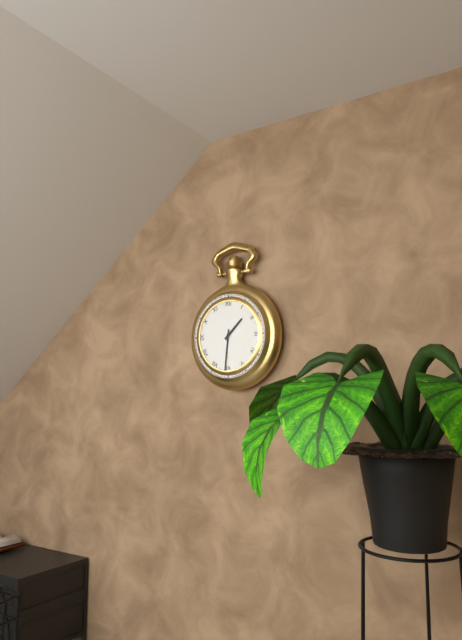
1:31
